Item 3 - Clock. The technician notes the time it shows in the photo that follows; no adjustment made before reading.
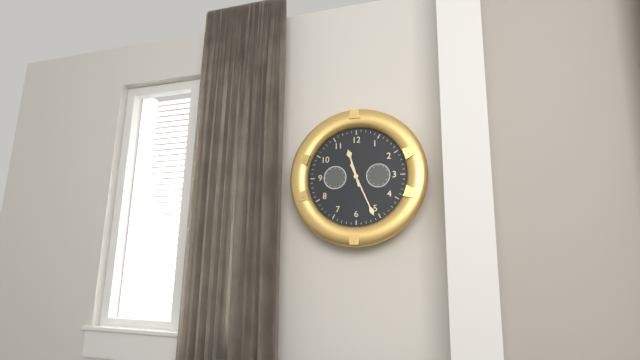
11:26
